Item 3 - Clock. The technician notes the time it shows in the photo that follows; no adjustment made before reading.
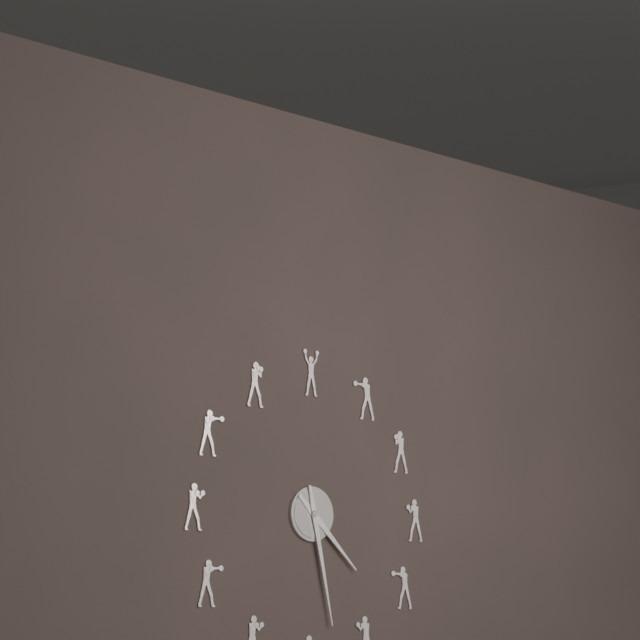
4:28
